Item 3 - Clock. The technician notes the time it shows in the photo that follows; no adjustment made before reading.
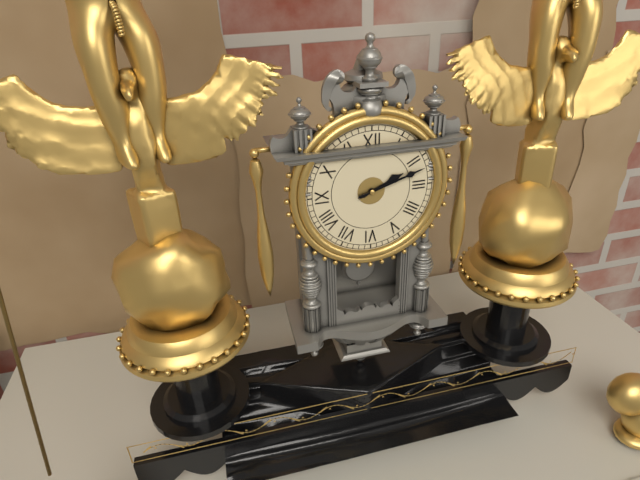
2:12
